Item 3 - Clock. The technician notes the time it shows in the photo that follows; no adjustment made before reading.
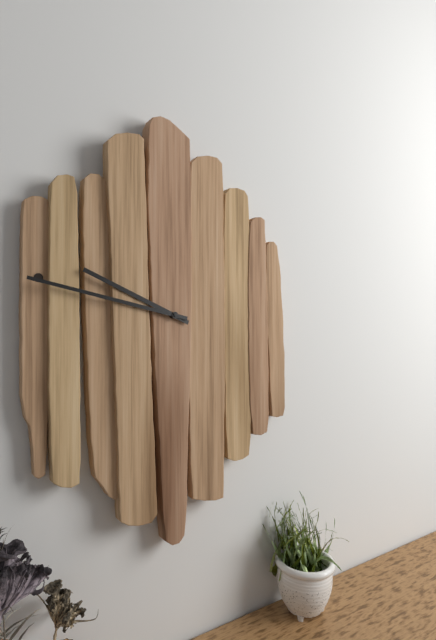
9:47
